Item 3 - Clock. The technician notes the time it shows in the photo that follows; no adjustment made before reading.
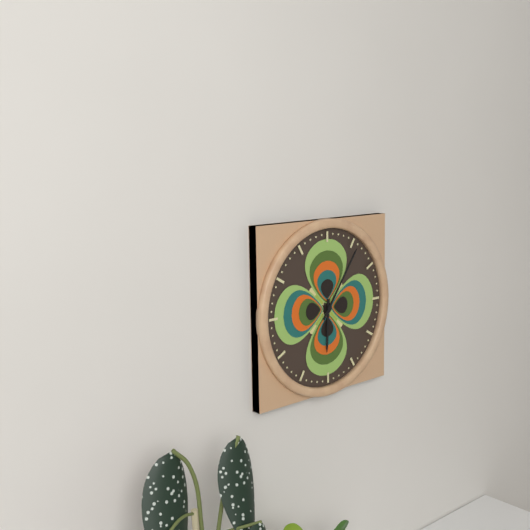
6:06
